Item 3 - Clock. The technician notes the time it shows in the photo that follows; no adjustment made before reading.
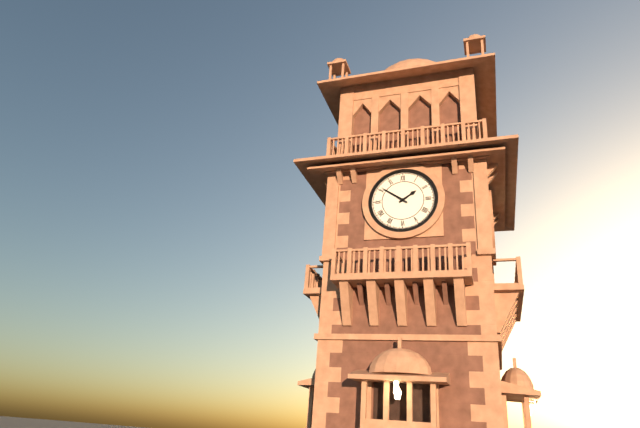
1:51
